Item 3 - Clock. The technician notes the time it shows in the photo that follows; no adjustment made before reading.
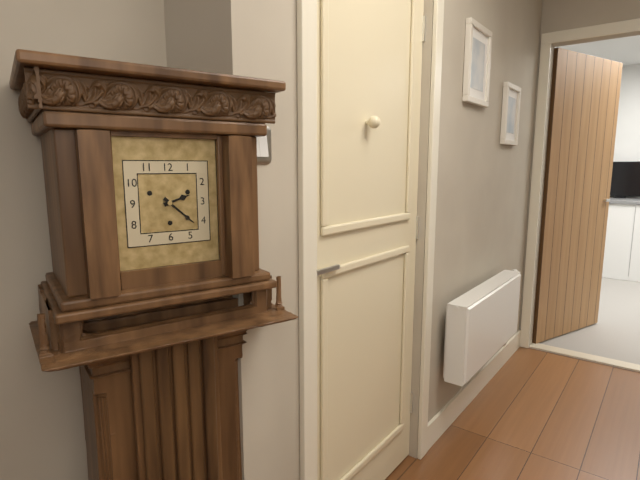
2:22
